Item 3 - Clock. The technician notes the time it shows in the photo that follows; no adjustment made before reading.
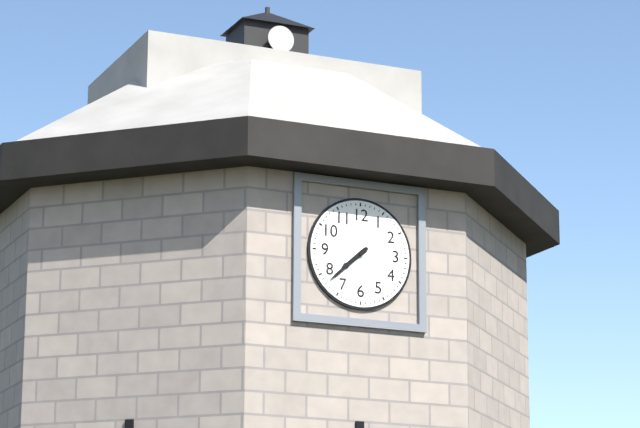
7:38
